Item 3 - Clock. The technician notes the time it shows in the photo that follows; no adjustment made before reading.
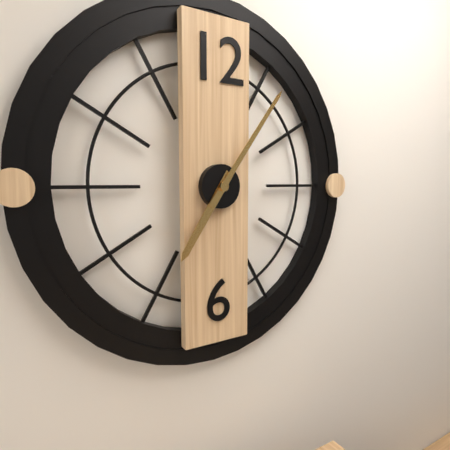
7:06
